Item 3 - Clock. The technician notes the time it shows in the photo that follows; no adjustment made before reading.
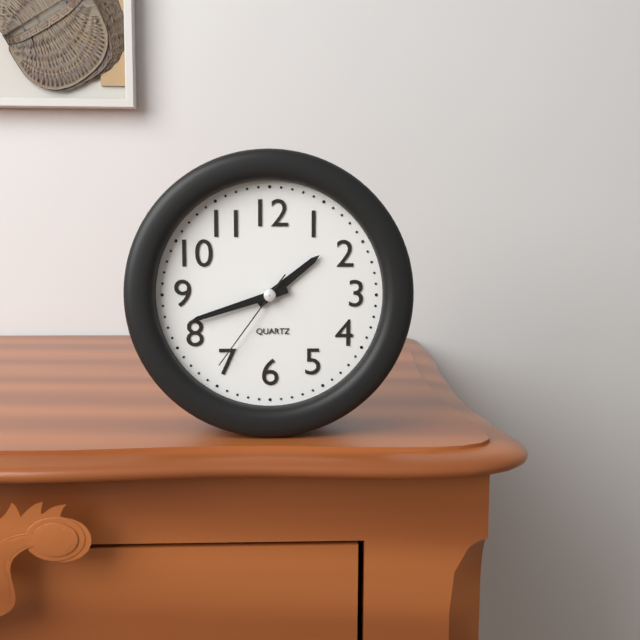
1:42:36
